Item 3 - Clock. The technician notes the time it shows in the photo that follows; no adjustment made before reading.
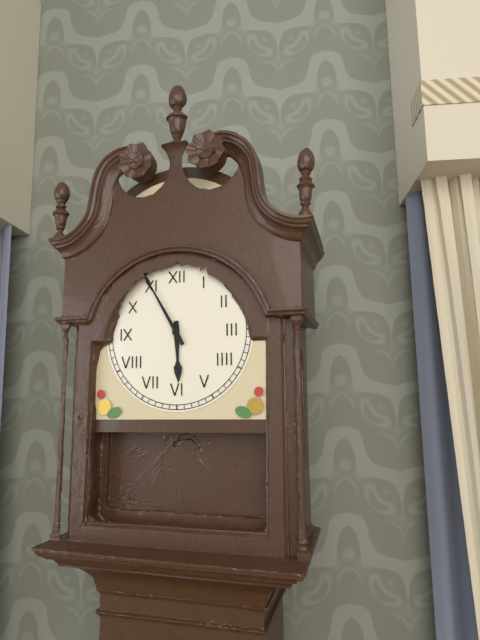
5:55
